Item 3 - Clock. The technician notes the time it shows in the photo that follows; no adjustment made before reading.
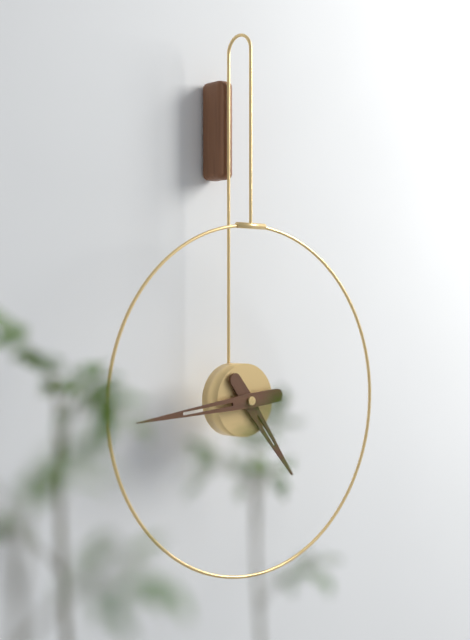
4:44
